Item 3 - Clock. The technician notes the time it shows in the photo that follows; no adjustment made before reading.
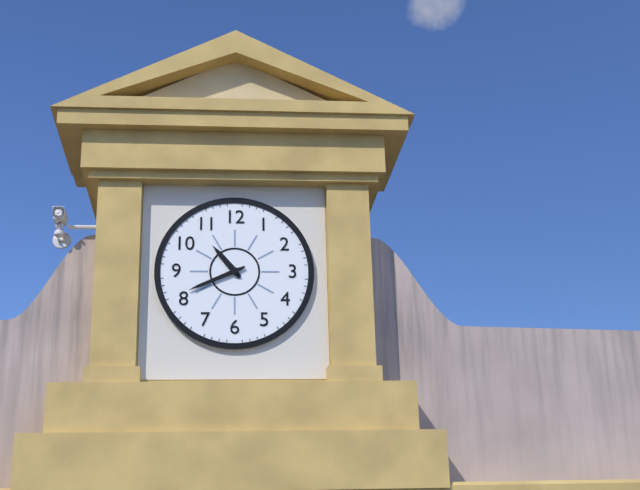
10:41
